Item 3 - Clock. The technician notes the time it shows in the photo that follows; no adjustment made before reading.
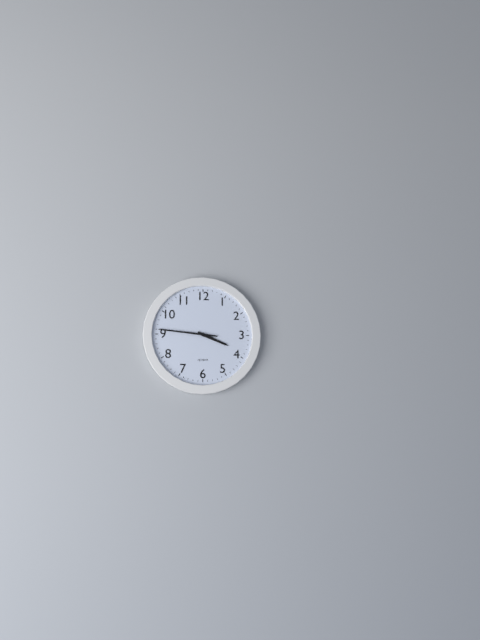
3:46
